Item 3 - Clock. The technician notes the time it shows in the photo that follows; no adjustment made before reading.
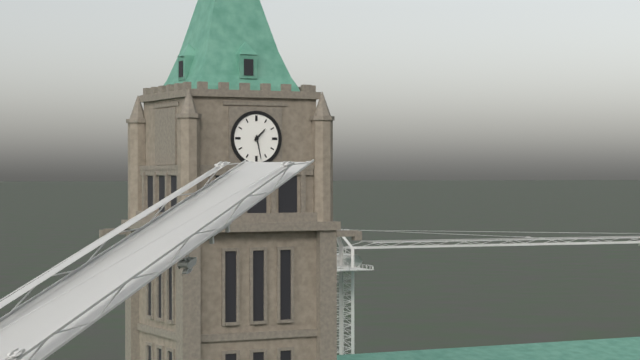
1:28
